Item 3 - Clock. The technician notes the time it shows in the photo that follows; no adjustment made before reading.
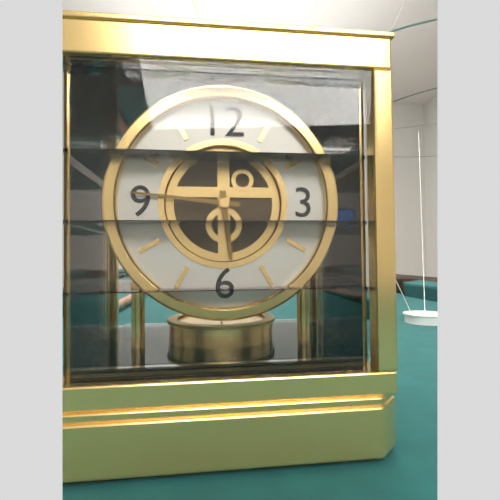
5:46
